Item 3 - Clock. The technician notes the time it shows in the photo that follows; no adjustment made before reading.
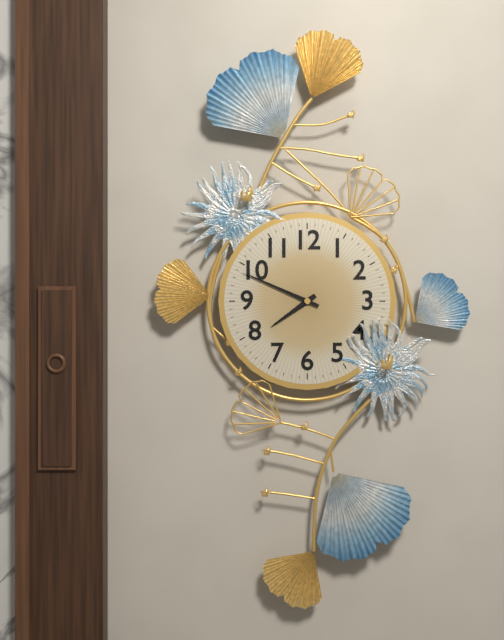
7:49
